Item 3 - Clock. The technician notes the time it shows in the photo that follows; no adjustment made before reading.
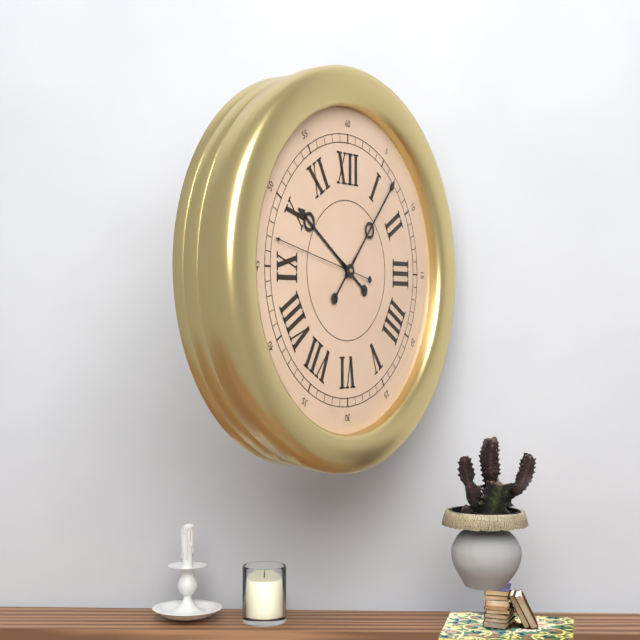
10:07:47
